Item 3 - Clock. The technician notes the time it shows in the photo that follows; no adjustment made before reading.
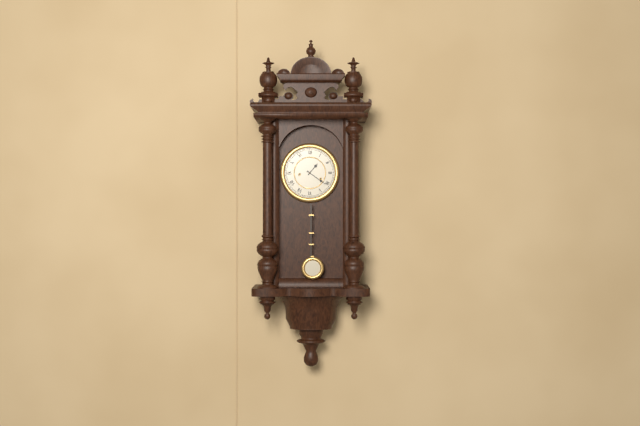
1:21
